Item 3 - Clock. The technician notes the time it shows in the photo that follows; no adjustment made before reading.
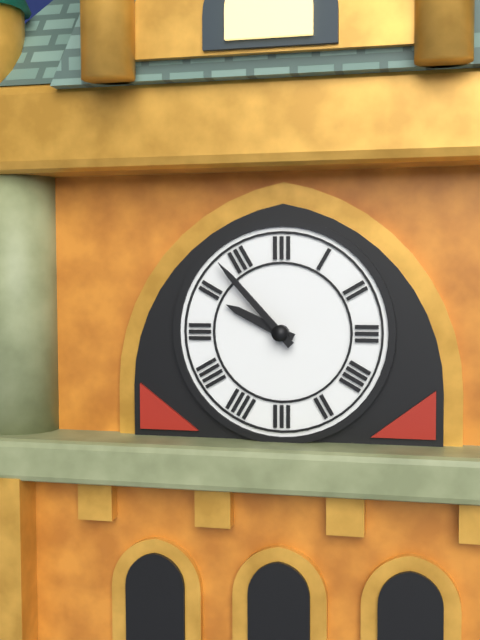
9:53
